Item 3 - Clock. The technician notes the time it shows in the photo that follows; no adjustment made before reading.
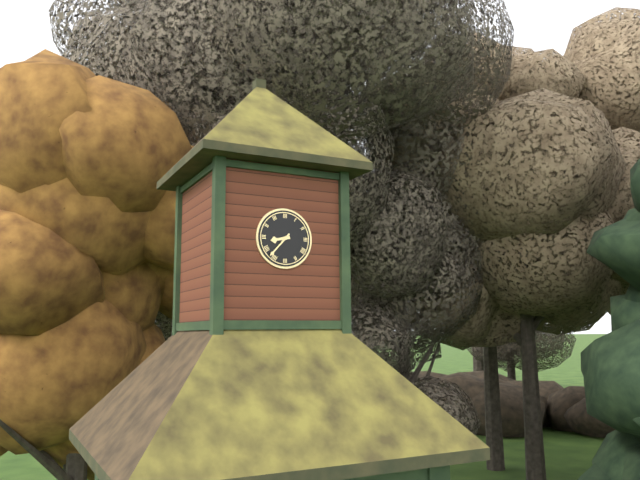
8:37
